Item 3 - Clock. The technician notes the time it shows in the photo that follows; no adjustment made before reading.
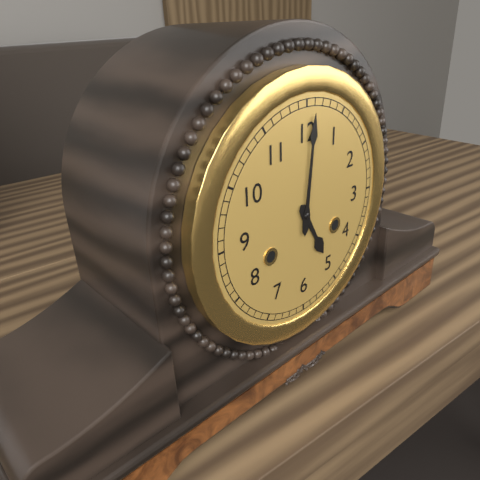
5:01
